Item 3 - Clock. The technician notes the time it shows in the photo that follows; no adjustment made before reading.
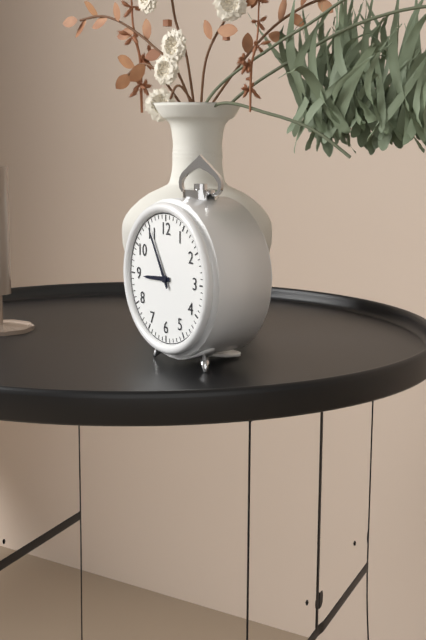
8:55
